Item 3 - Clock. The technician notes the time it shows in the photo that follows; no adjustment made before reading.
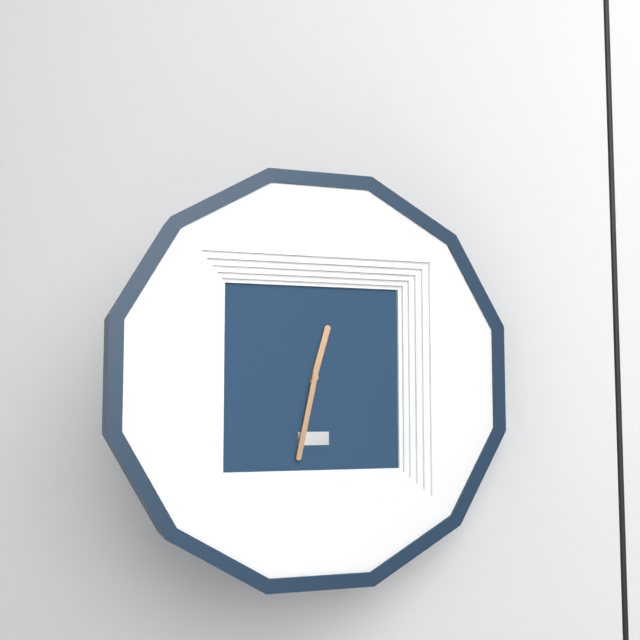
12:32
